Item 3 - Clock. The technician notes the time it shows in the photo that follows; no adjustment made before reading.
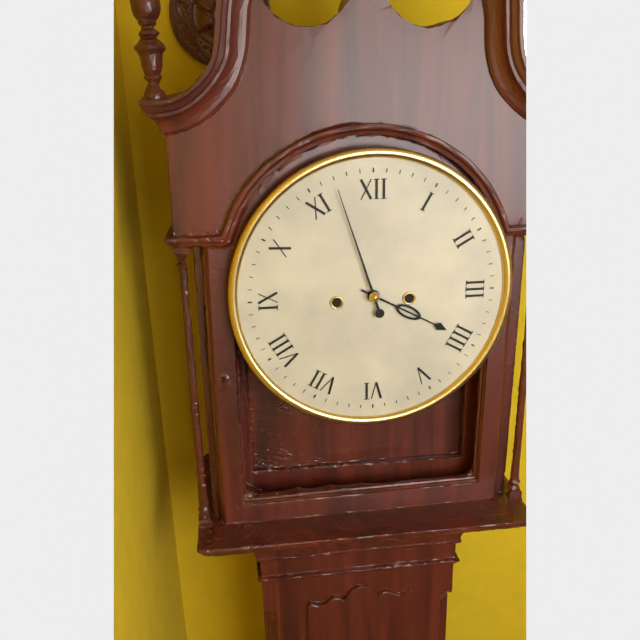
3:57
